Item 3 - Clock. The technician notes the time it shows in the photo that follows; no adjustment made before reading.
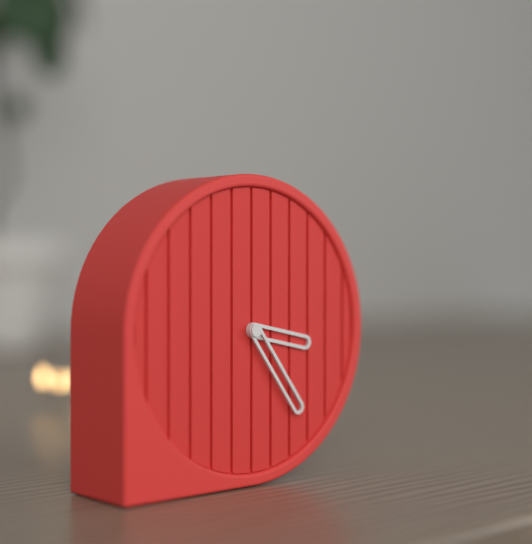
3:24
